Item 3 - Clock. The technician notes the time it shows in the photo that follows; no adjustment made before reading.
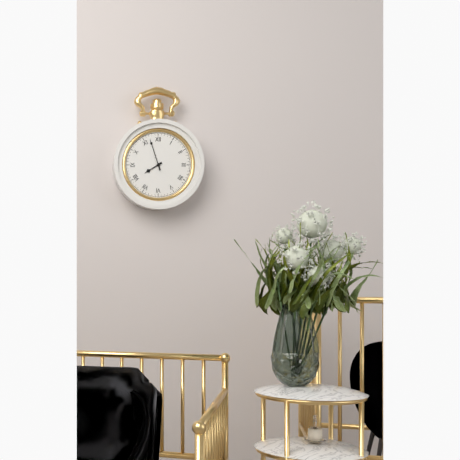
7:57
